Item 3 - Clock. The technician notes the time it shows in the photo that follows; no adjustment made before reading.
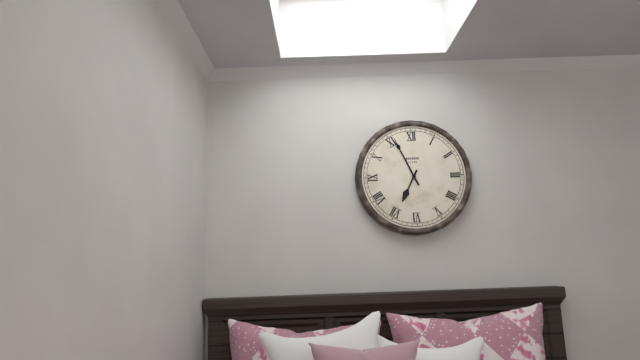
6:56
